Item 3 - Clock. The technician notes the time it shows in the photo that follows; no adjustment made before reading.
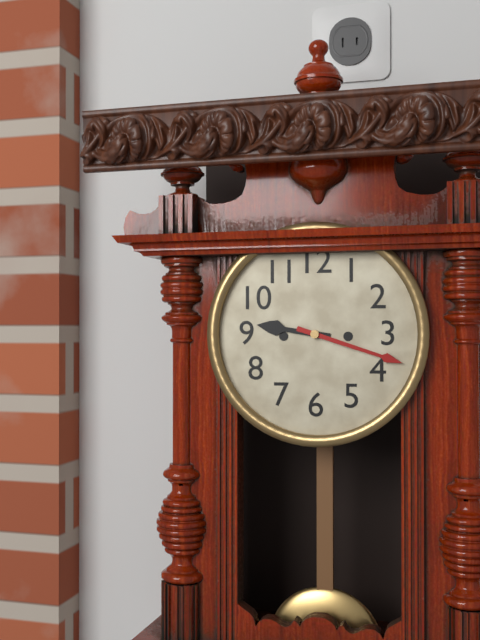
9:18
